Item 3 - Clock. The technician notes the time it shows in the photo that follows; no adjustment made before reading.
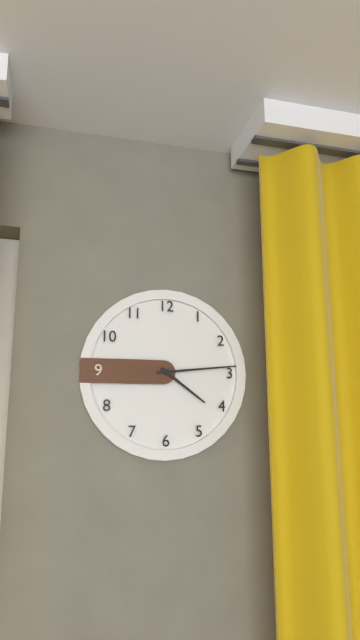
4:14
